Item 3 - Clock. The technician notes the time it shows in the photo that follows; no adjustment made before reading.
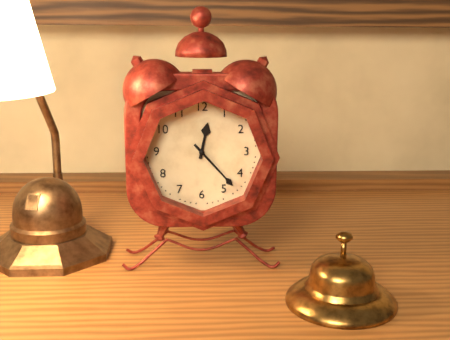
12:23
